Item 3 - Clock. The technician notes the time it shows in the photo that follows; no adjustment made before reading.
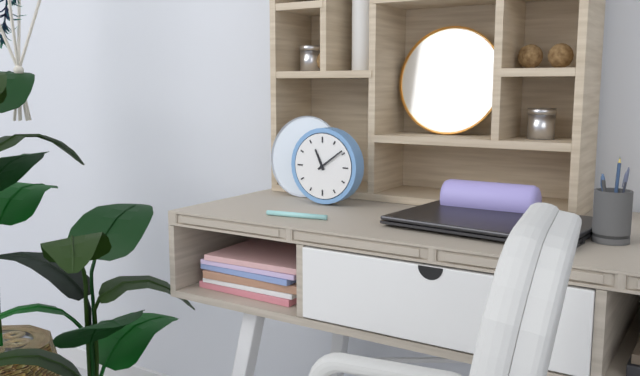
11:09
